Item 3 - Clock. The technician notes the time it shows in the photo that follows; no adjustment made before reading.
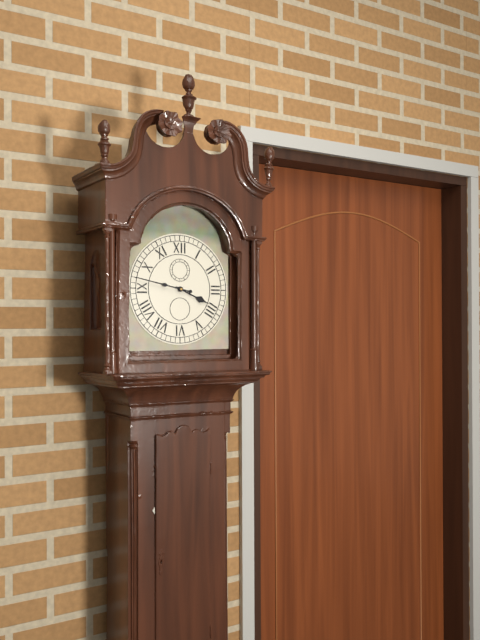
3:47
